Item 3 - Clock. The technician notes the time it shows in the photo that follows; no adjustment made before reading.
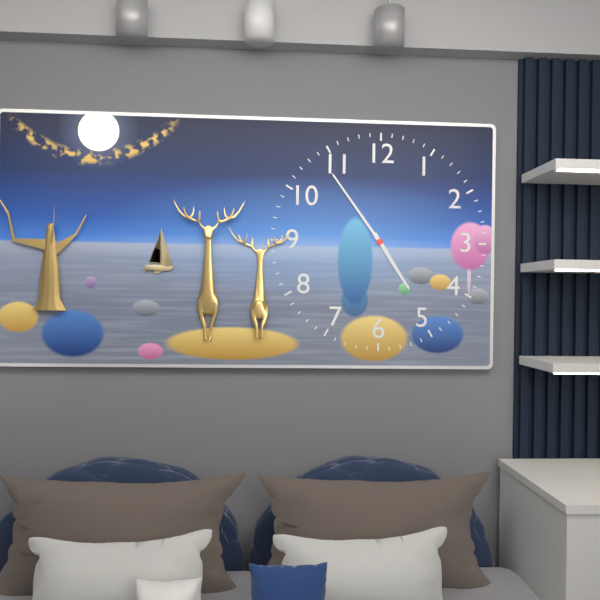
4:54
